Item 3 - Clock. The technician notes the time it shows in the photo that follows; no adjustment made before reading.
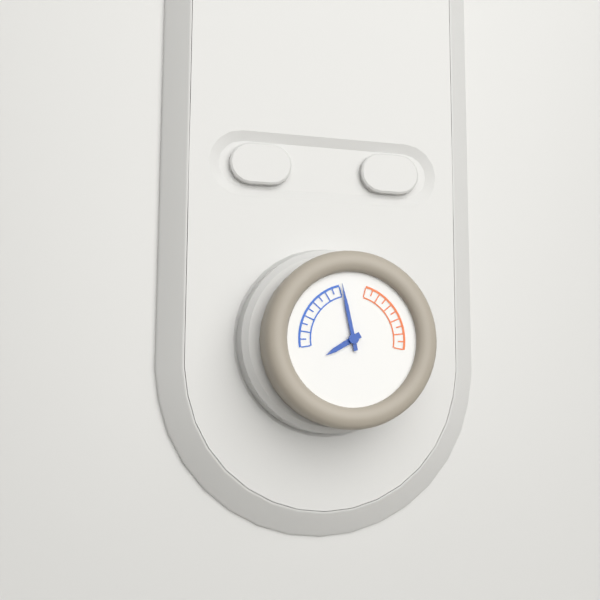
7:58
